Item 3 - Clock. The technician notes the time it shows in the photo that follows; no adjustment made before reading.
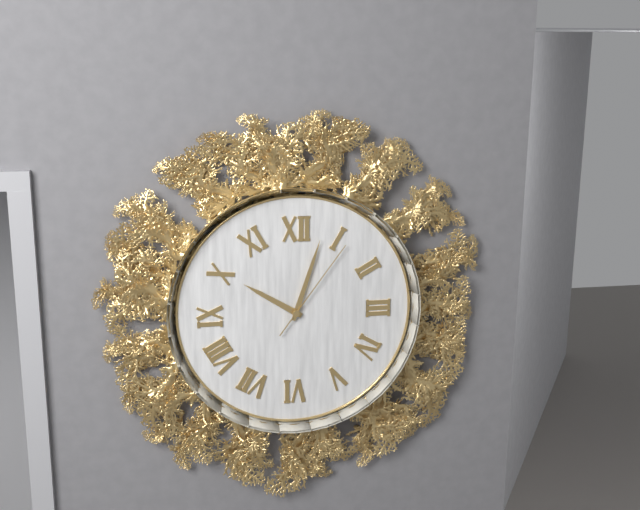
10:03:06
